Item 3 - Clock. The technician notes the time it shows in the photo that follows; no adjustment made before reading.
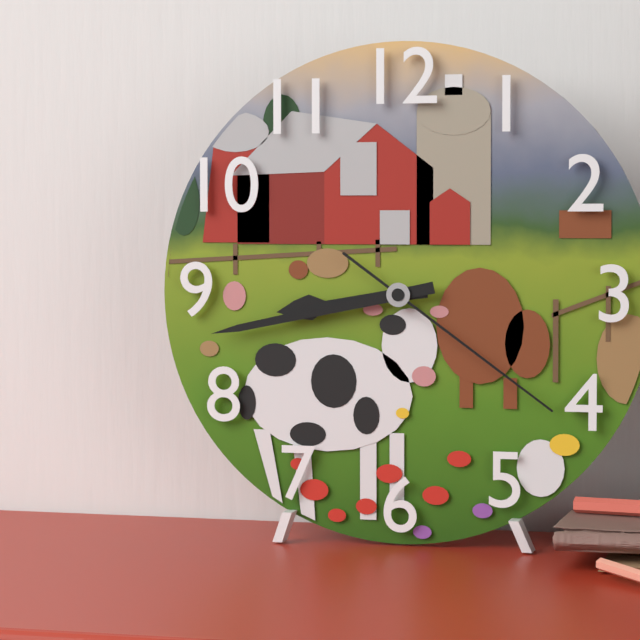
8:43:21
